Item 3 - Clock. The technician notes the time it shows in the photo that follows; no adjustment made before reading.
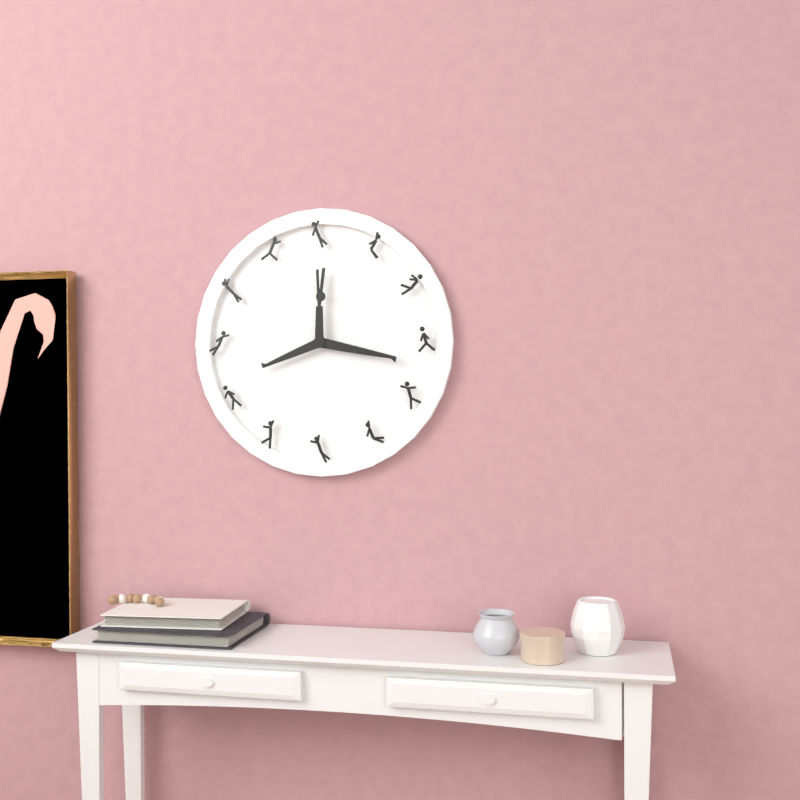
8:17
